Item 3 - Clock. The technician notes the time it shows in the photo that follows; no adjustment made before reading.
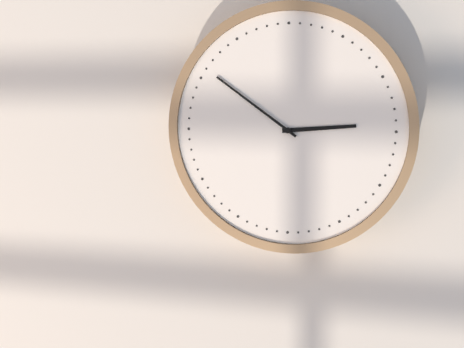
2:51
